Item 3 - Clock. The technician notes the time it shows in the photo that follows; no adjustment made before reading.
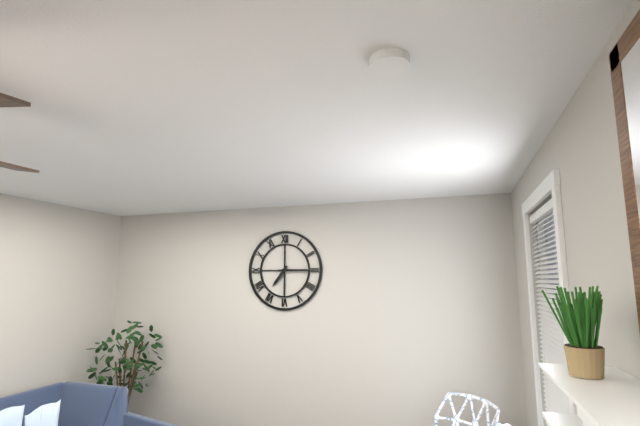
7:15
